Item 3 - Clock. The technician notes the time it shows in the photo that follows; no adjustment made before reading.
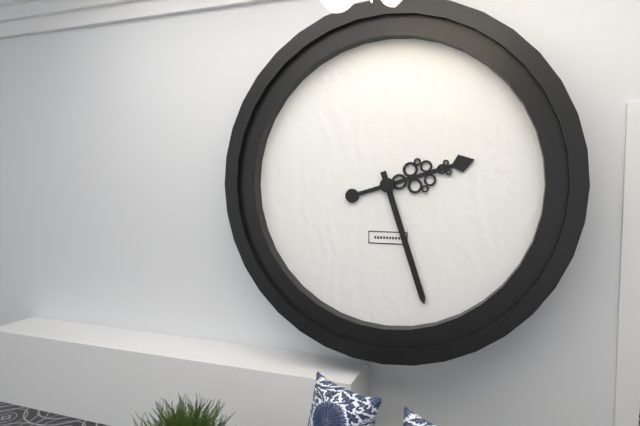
2:27
